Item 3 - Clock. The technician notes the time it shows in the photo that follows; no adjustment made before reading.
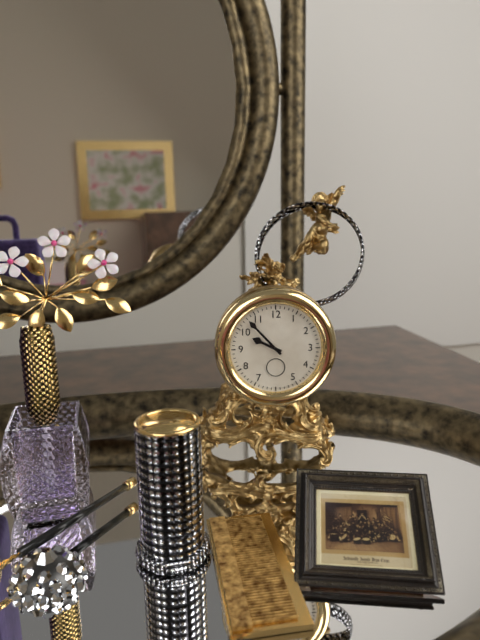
9:53
